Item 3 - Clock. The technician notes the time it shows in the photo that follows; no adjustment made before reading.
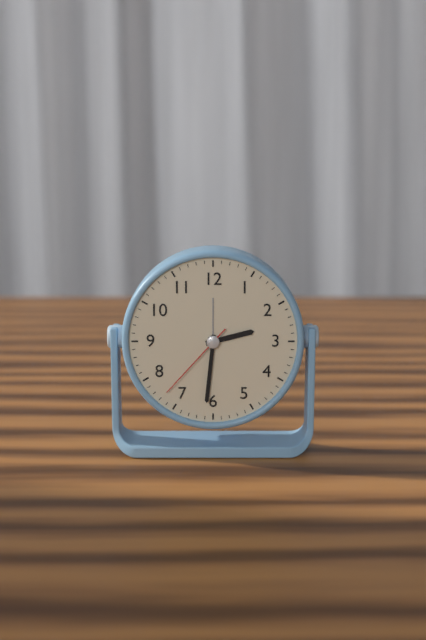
2:31:37
